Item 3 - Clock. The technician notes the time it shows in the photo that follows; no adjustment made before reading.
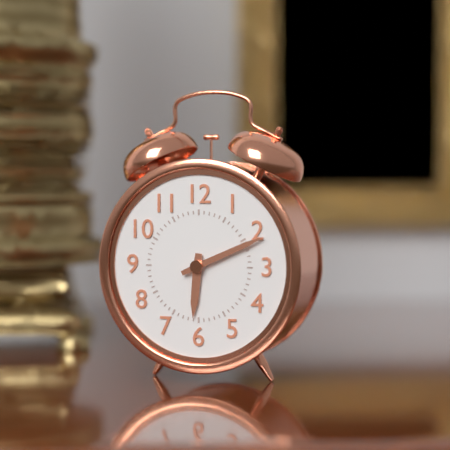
6:11
